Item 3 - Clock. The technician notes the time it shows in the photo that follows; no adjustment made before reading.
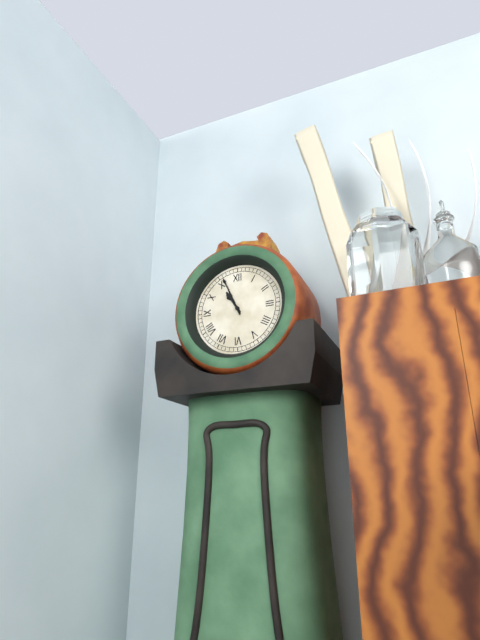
10:56
